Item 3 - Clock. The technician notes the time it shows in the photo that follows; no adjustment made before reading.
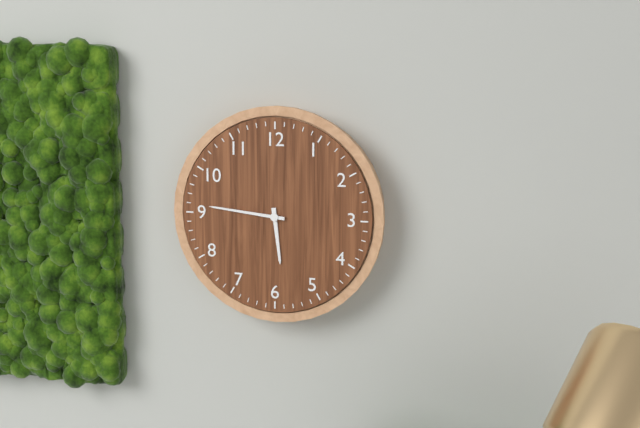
5:46
